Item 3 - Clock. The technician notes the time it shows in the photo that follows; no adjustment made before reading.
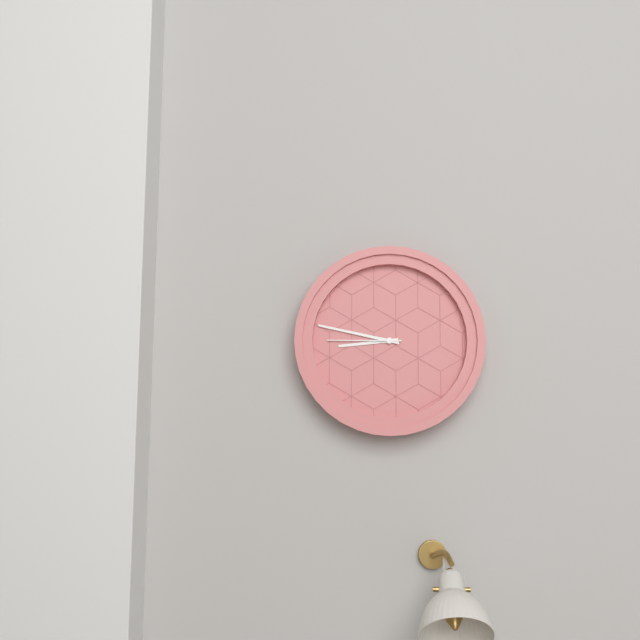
8:47:45
